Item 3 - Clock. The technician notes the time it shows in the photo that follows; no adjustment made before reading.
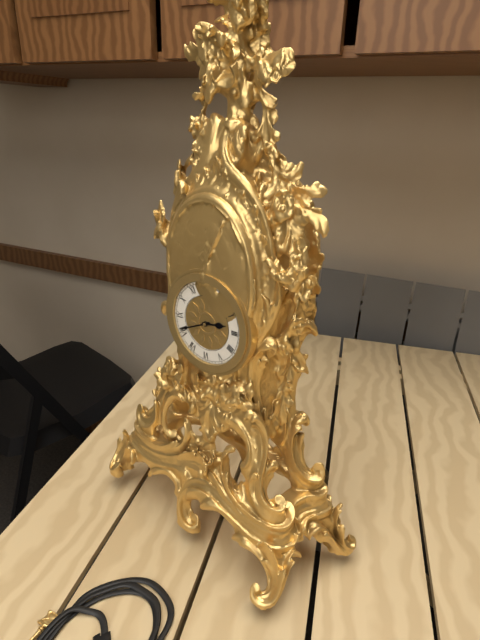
2:41
